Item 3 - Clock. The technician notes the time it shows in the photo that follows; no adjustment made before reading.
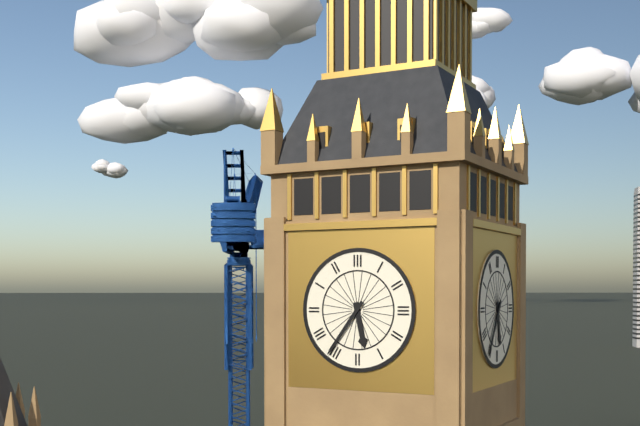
5:36
